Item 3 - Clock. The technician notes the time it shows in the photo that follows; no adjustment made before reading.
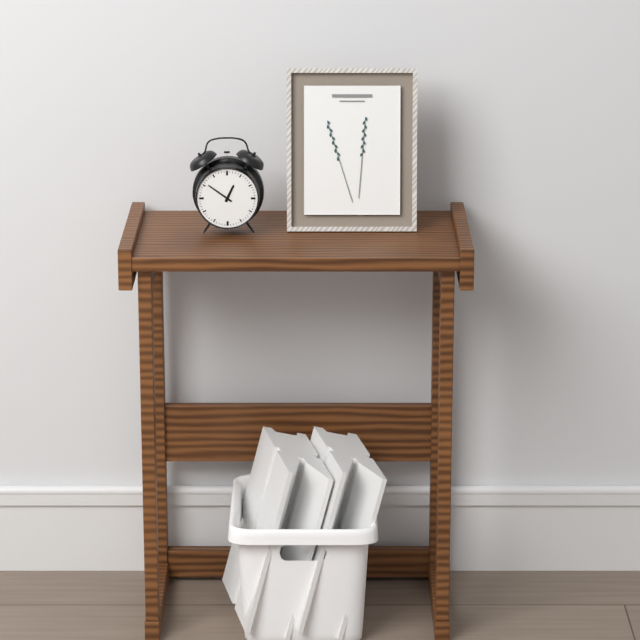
12:51
